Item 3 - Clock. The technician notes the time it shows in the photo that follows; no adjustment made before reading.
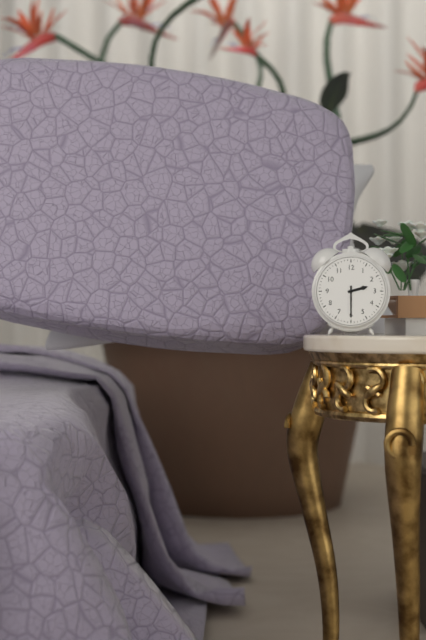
2:30
